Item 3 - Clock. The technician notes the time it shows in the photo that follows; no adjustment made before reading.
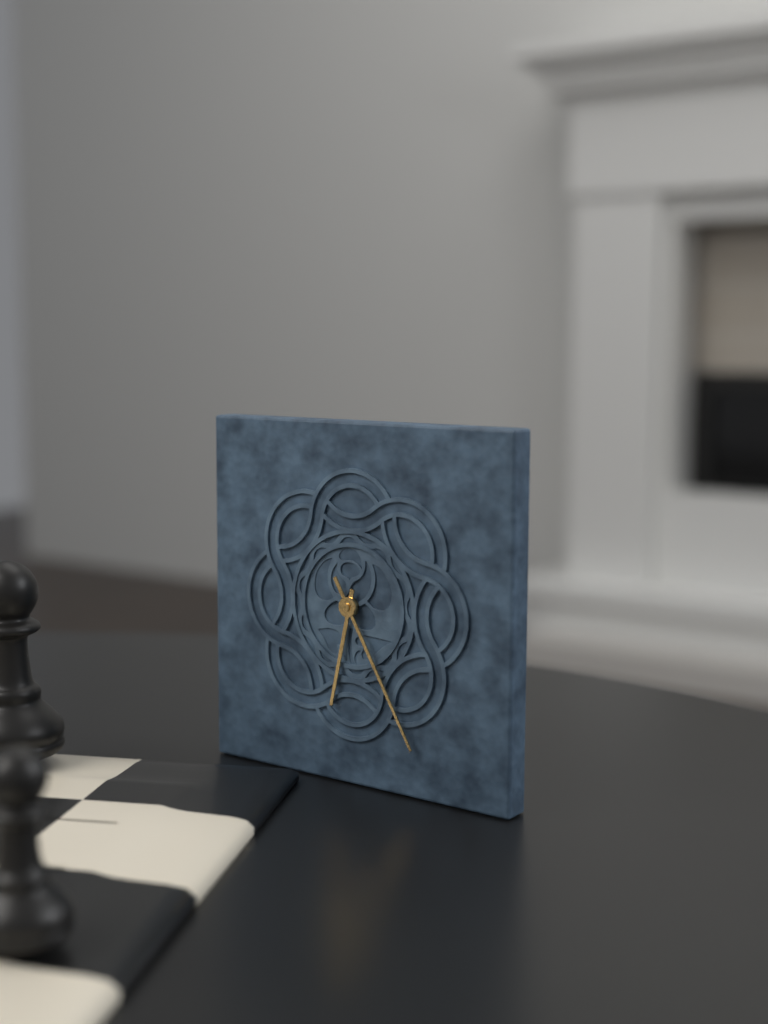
6:25
